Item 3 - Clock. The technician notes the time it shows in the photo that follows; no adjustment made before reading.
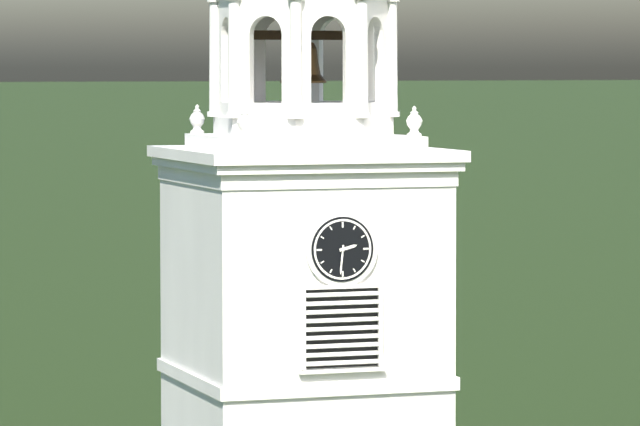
2:31
